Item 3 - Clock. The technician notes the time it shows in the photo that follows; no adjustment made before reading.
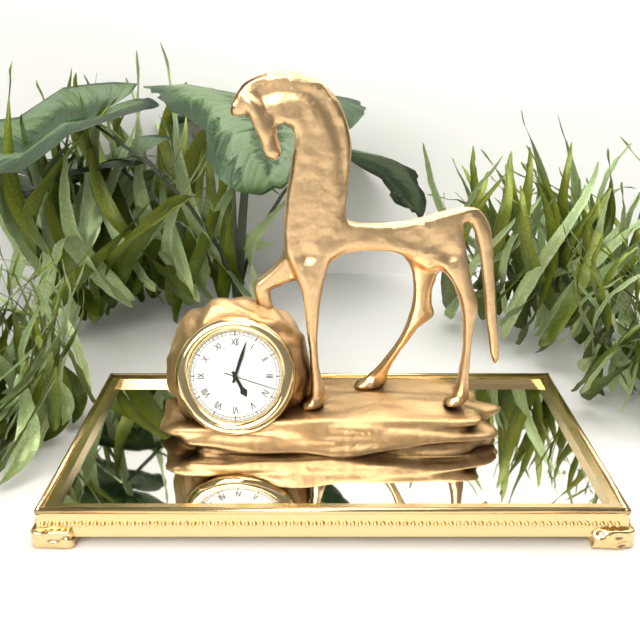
5:03:18
